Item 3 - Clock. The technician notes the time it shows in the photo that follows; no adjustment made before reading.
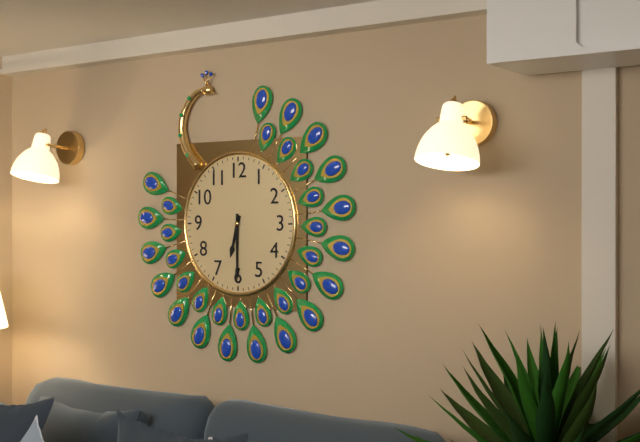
6:30
